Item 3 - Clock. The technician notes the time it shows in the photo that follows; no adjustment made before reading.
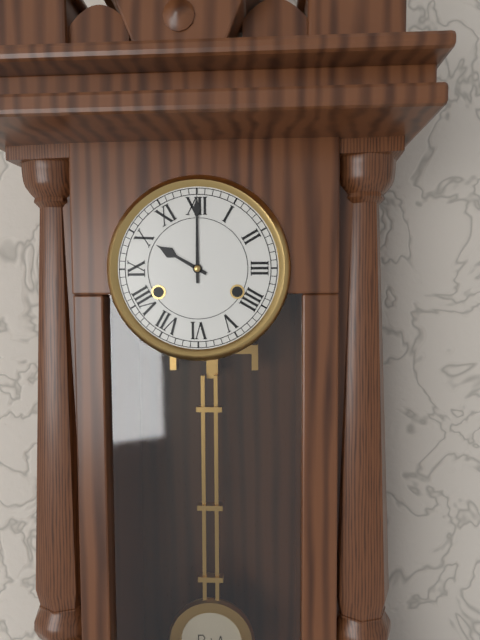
10:00
